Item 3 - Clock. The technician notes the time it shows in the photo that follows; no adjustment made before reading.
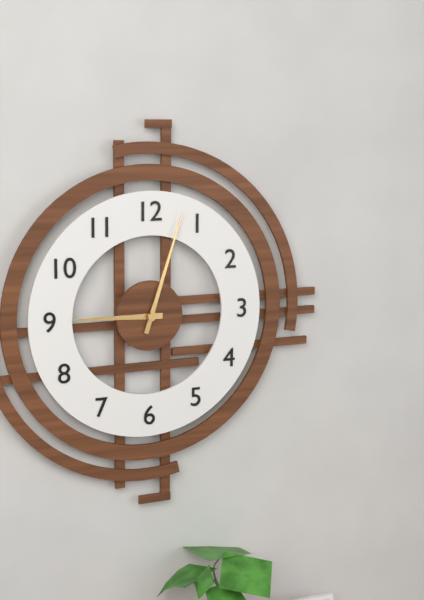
9:03
